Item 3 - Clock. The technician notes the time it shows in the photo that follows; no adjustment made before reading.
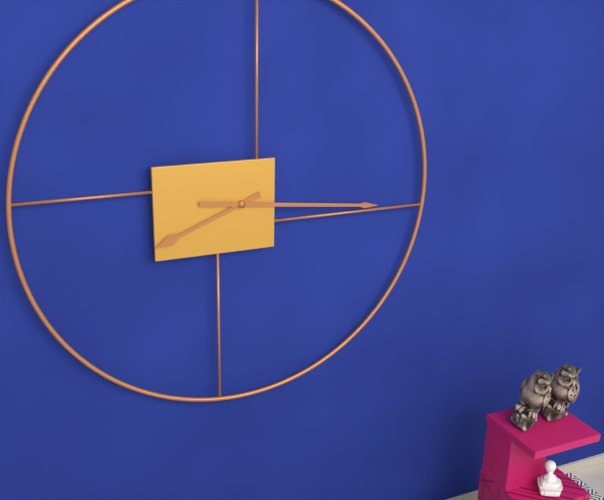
8:16
